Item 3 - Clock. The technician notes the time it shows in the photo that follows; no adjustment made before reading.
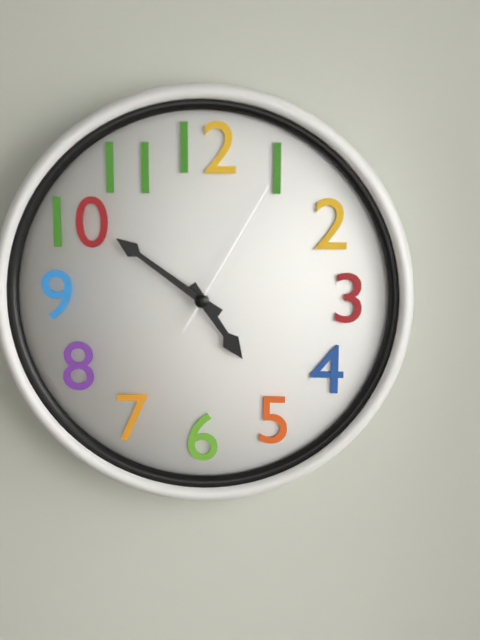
4:51:05
